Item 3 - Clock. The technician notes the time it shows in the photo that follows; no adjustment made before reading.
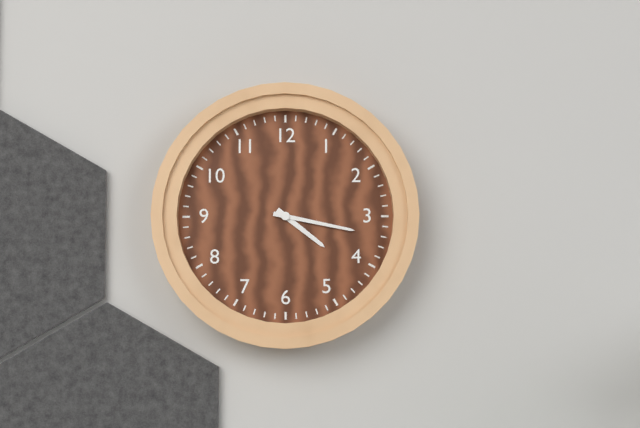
4:17
